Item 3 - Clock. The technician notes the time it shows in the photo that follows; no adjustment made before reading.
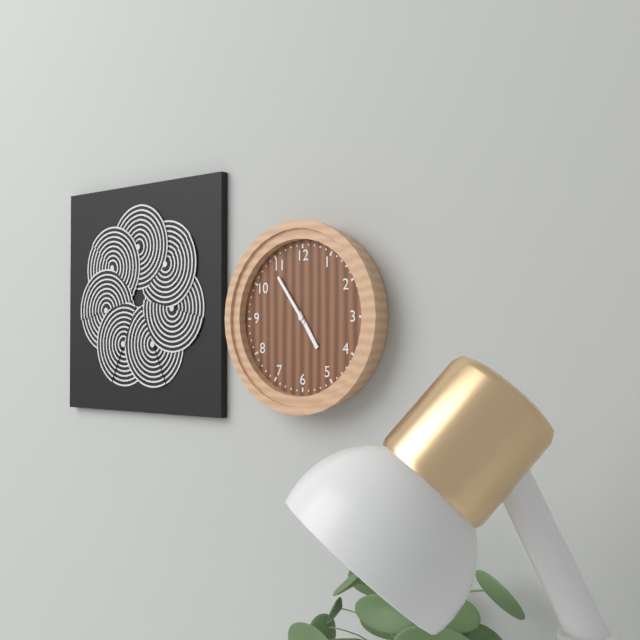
4:54
